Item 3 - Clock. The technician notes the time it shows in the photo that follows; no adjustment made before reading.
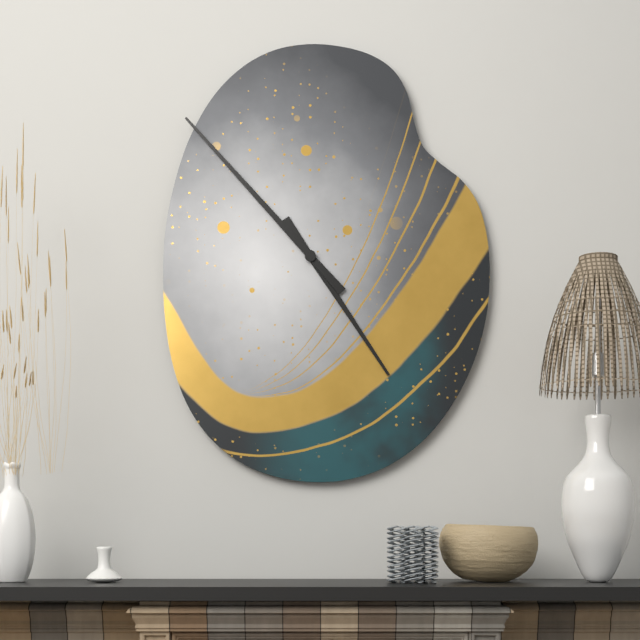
4:53
